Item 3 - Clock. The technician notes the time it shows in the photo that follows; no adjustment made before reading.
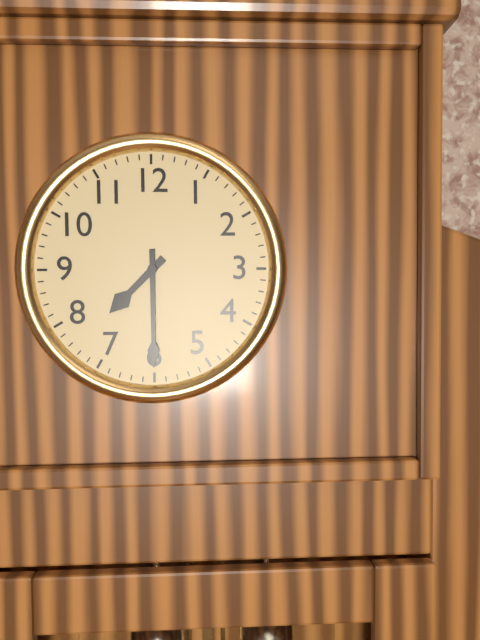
7:30
